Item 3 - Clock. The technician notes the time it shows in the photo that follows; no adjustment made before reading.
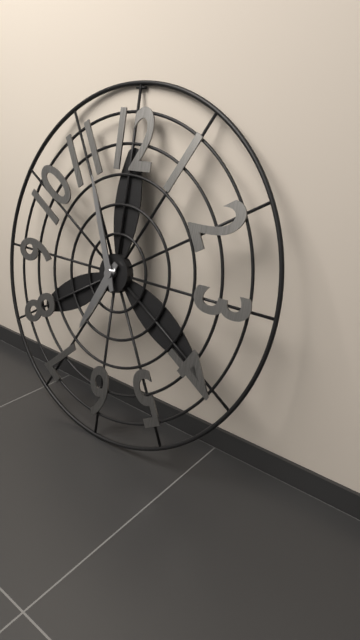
6:56
